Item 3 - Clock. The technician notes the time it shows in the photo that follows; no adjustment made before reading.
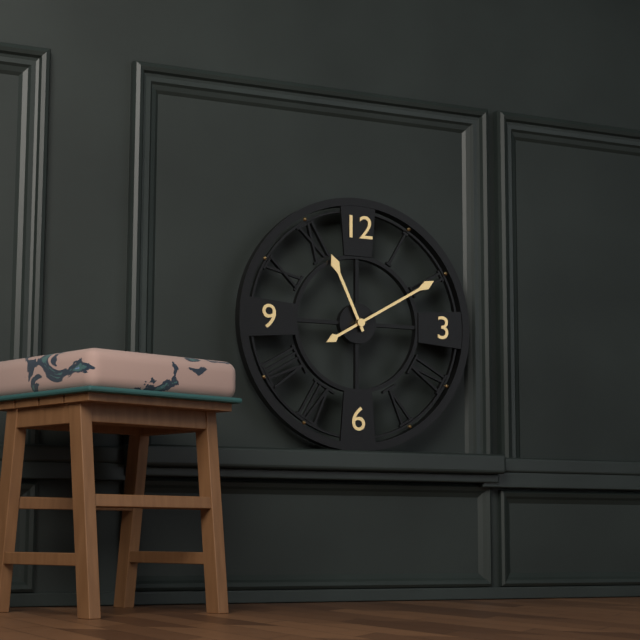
11:10
